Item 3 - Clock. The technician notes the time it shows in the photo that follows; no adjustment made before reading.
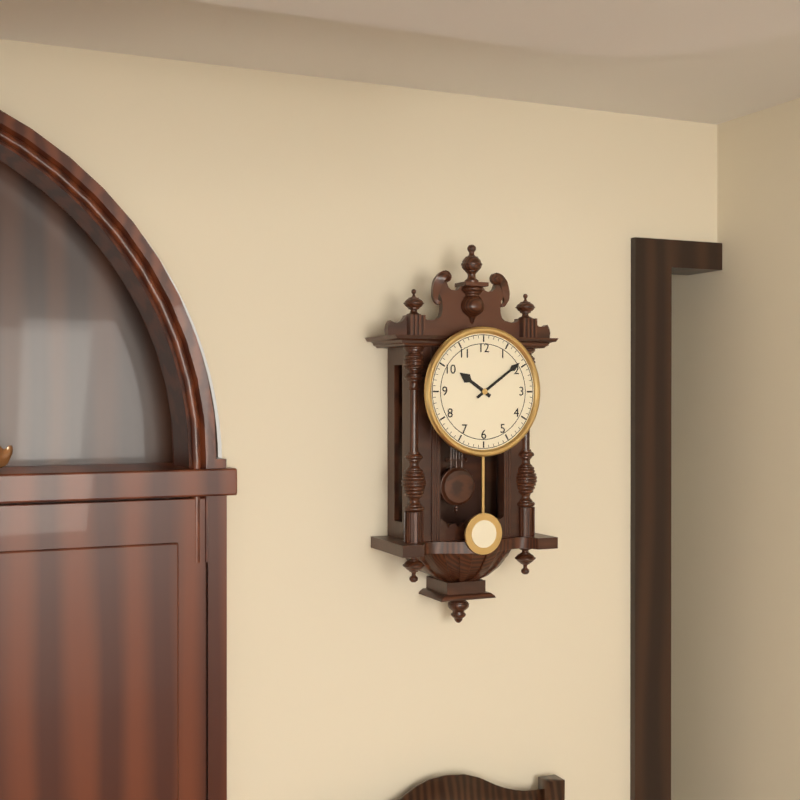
10:09
